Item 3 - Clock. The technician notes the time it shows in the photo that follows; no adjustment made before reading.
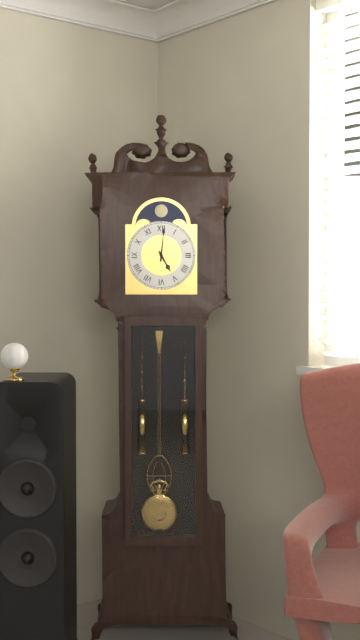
5:01
